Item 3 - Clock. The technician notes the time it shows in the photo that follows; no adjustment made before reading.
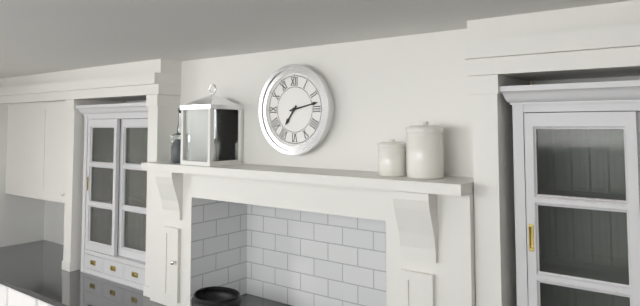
7:13
